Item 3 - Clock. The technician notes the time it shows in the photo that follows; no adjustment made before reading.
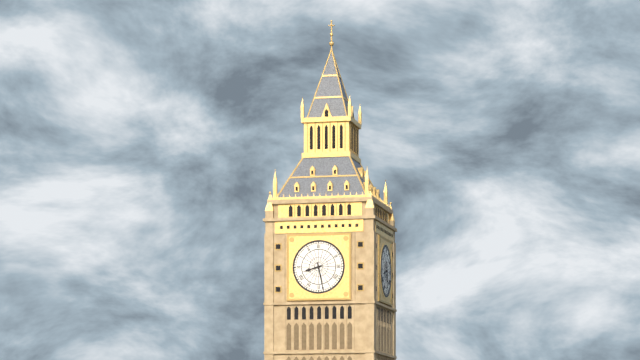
8:28
